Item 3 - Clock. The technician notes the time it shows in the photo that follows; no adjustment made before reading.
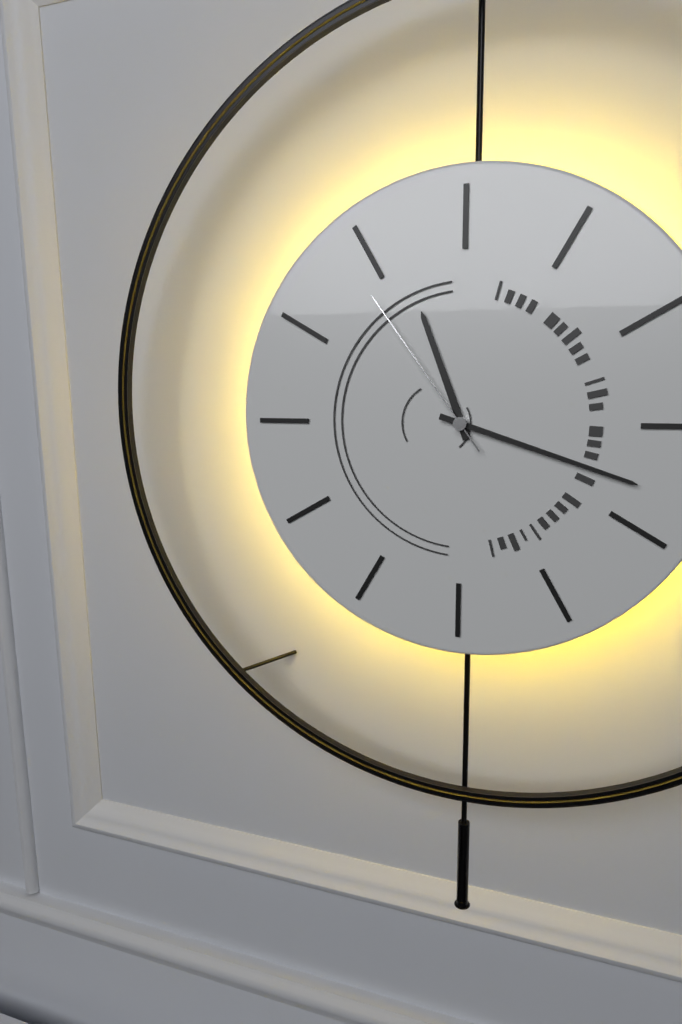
11:18:54
